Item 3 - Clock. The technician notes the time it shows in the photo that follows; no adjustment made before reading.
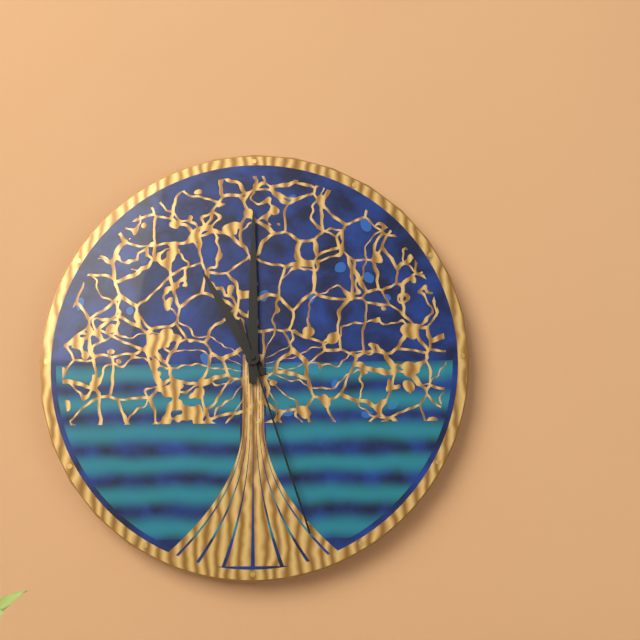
11:00:27
